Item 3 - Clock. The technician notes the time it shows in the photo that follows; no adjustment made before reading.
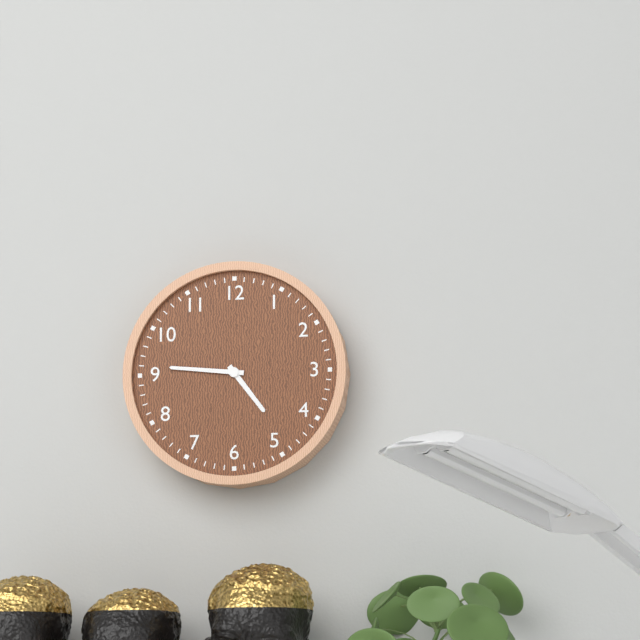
4:46
